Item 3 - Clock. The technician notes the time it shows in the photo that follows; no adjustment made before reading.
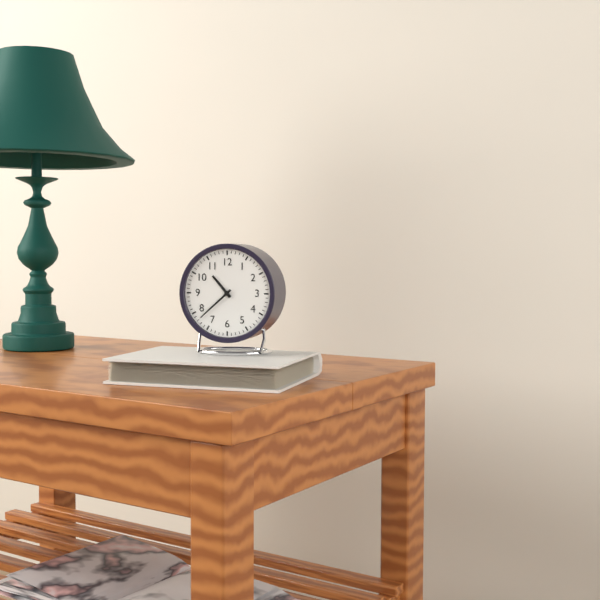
10:38
